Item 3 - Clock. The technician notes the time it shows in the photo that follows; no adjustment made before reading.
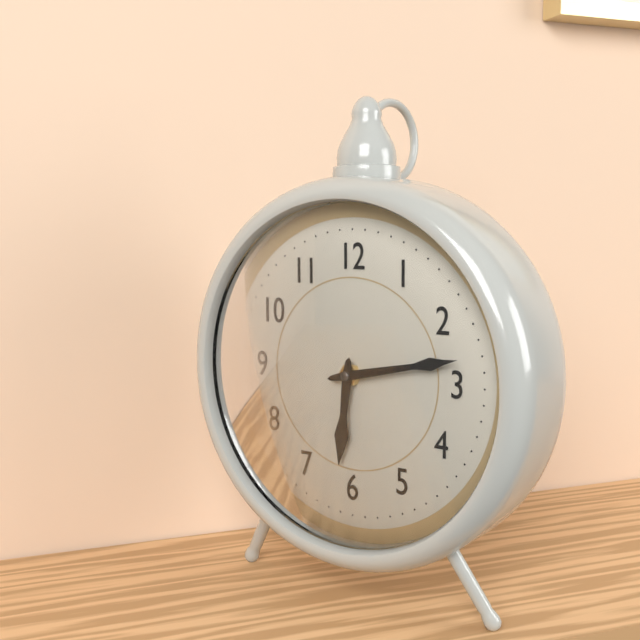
6:13
